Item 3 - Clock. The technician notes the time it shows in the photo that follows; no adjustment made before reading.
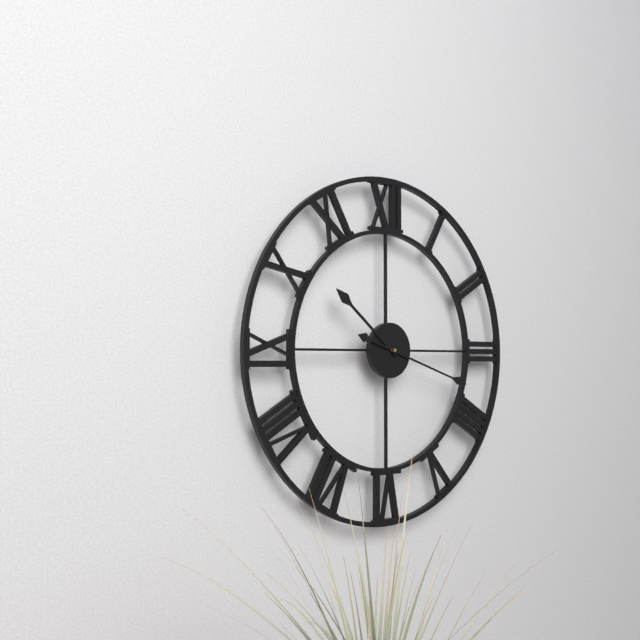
10:18
